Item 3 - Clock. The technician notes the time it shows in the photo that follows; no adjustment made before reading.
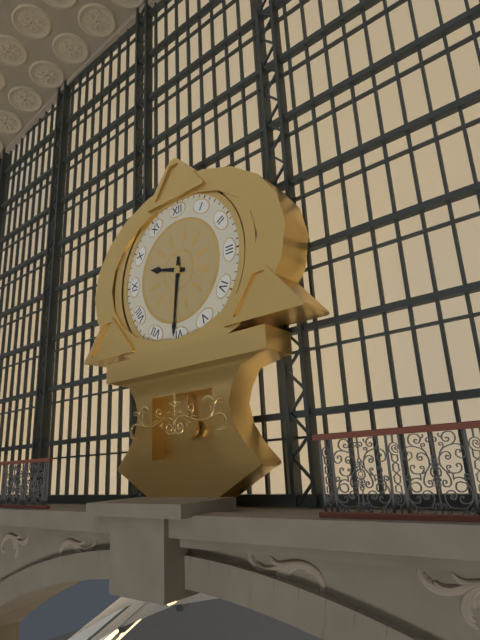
9:31
